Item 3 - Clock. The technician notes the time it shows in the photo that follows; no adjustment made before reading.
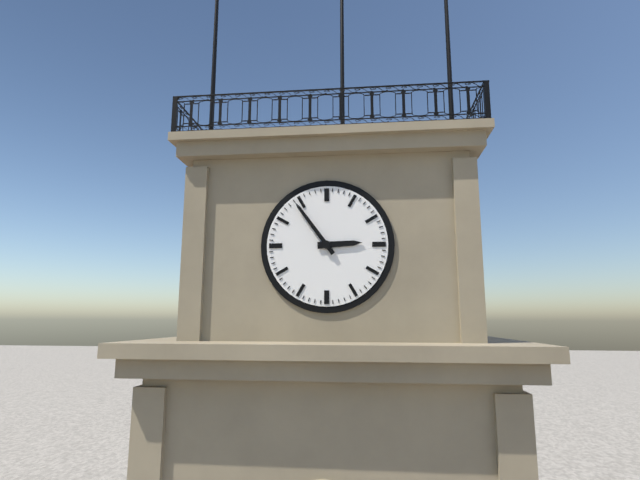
2:54
